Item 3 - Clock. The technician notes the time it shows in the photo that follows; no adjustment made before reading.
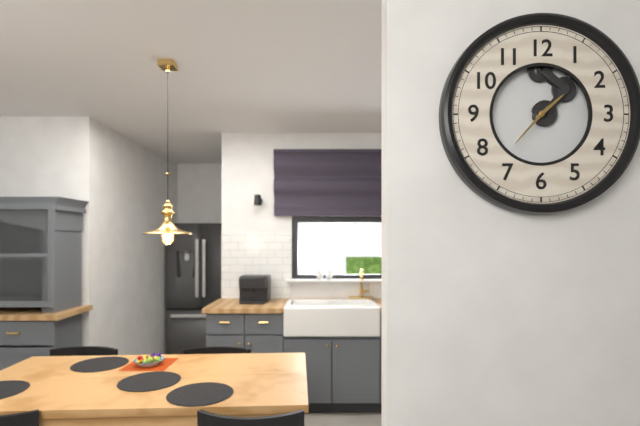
1:37
